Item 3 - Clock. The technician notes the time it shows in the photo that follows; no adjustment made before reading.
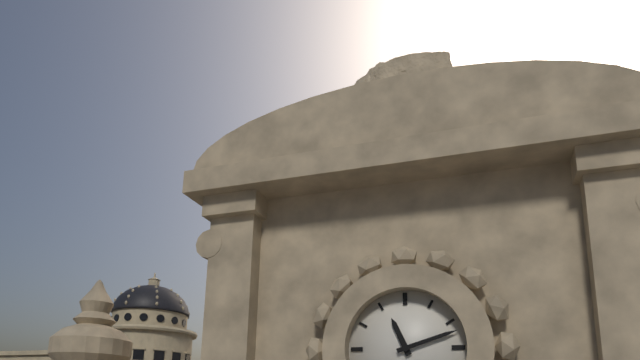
11:12
